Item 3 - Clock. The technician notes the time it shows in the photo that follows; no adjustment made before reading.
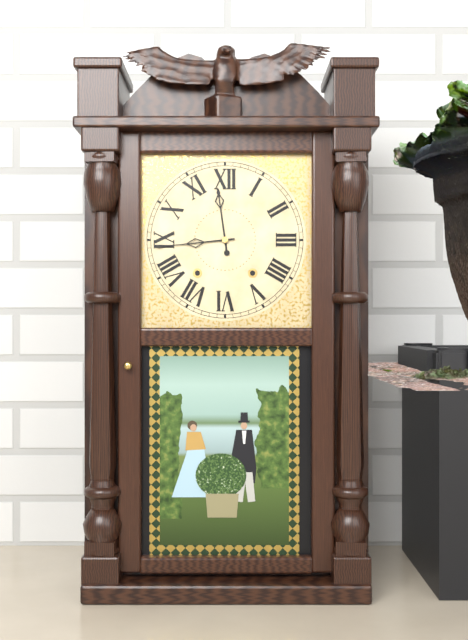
11:44
